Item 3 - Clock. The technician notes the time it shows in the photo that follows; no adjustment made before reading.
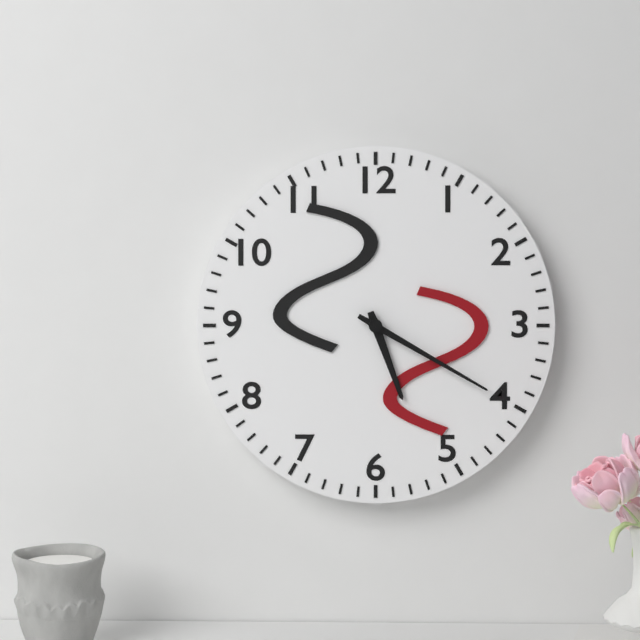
5:20
